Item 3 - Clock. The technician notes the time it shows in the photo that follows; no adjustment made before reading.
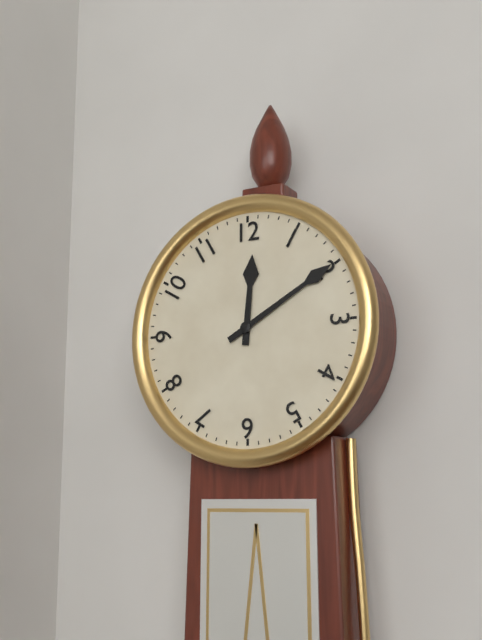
12:10
